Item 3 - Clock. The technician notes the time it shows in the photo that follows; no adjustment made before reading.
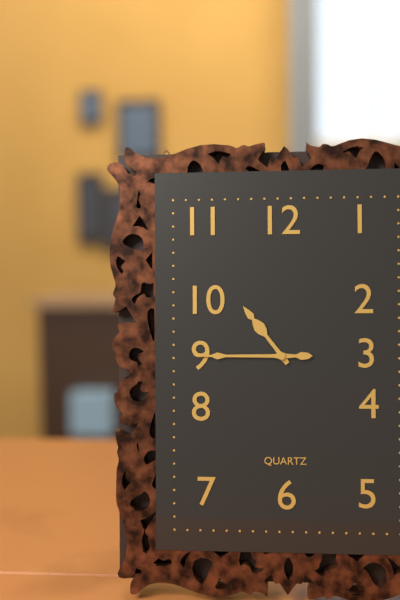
10:45
